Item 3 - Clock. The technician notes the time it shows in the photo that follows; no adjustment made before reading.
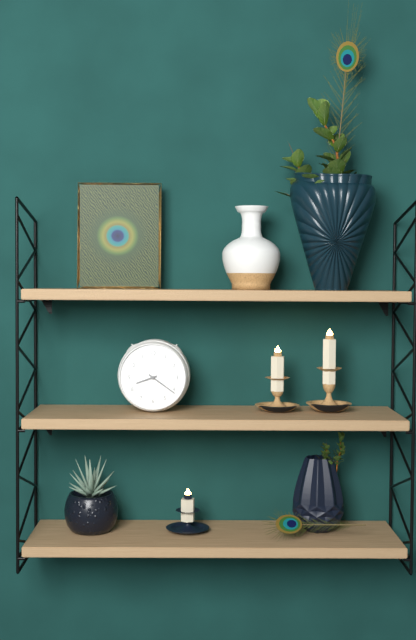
8:21
